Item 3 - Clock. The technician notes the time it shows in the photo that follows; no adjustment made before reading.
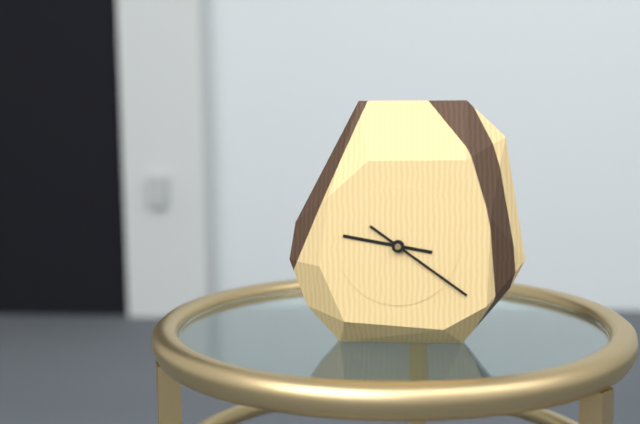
9:21
